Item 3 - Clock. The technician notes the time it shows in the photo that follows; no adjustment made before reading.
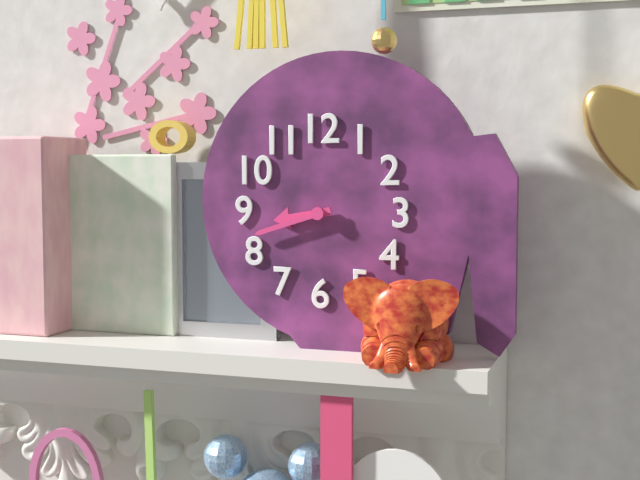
8:42
